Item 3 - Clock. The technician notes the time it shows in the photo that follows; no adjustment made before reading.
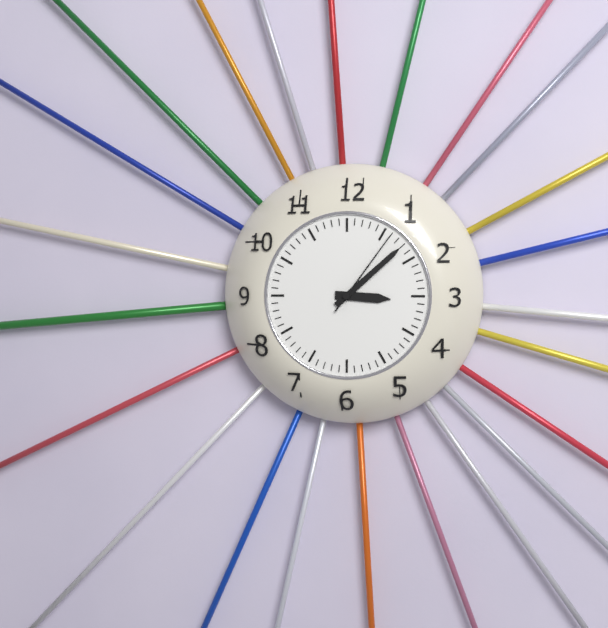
3:08:06
